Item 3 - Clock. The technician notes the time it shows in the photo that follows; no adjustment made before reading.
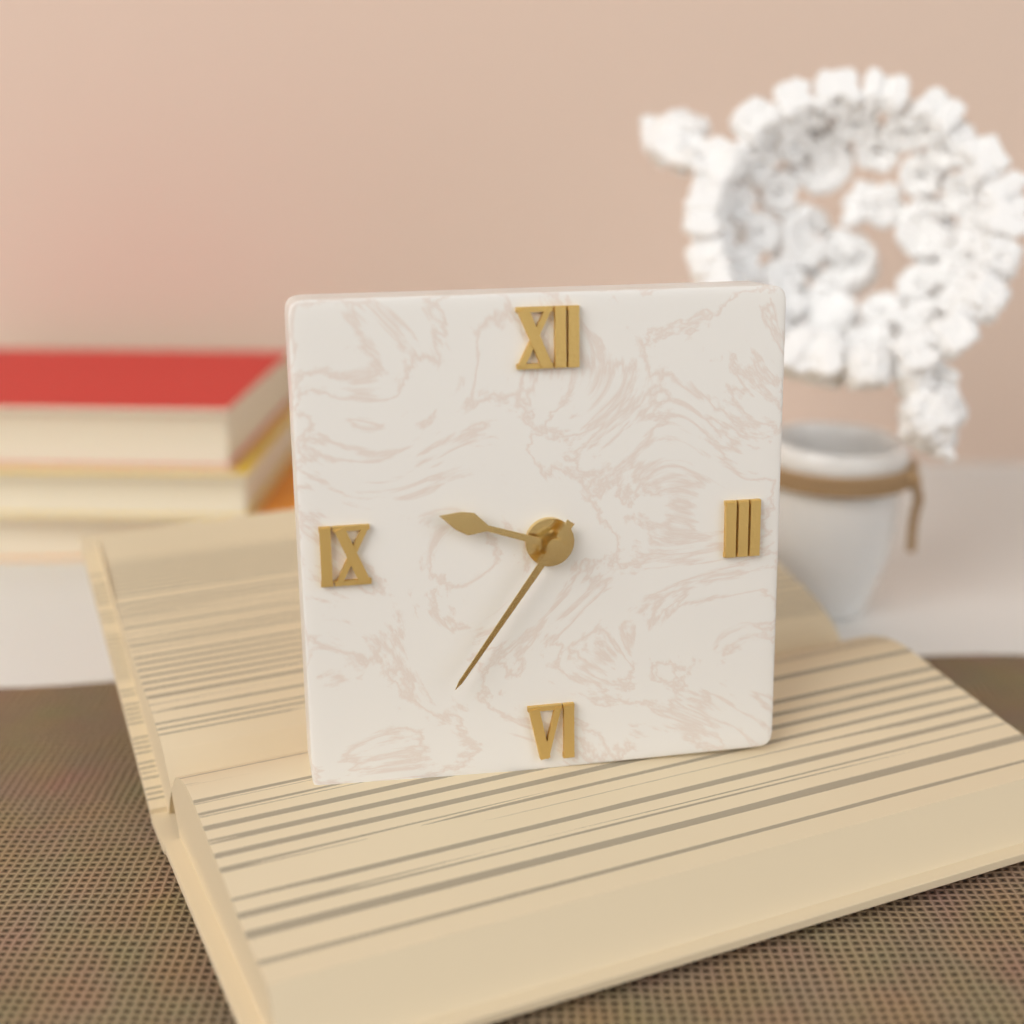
9:36
